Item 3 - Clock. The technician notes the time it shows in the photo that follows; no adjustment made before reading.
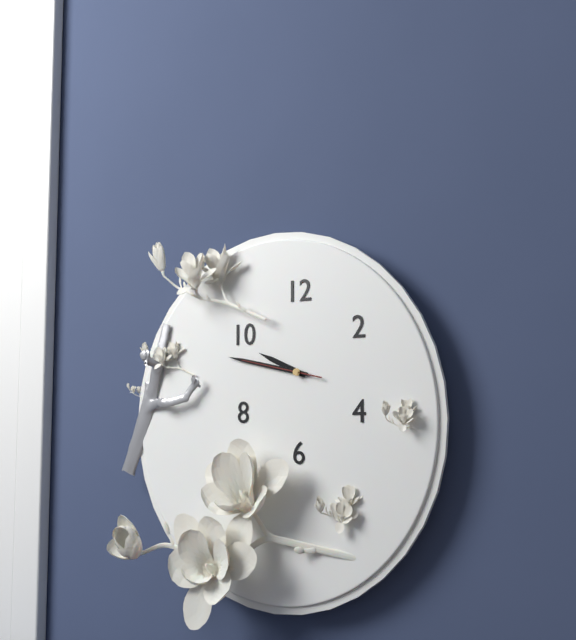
9:47:47
